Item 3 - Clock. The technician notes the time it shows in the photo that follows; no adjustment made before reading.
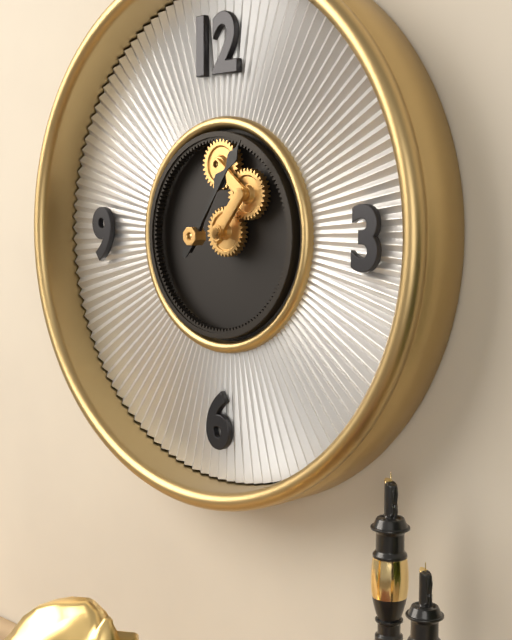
1:06
